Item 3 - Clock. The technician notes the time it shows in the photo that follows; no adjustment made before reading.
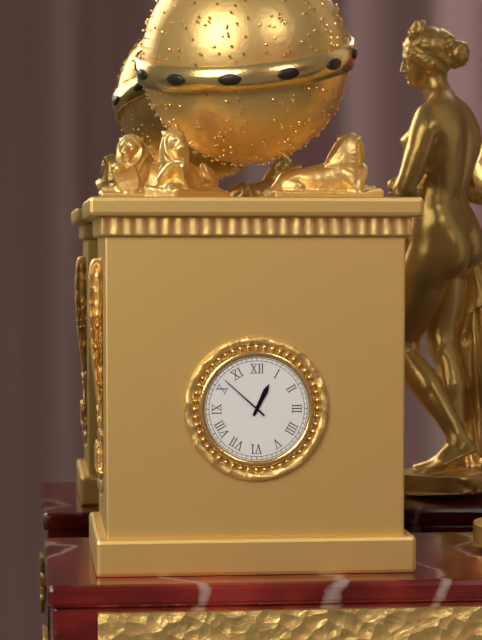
12:52
